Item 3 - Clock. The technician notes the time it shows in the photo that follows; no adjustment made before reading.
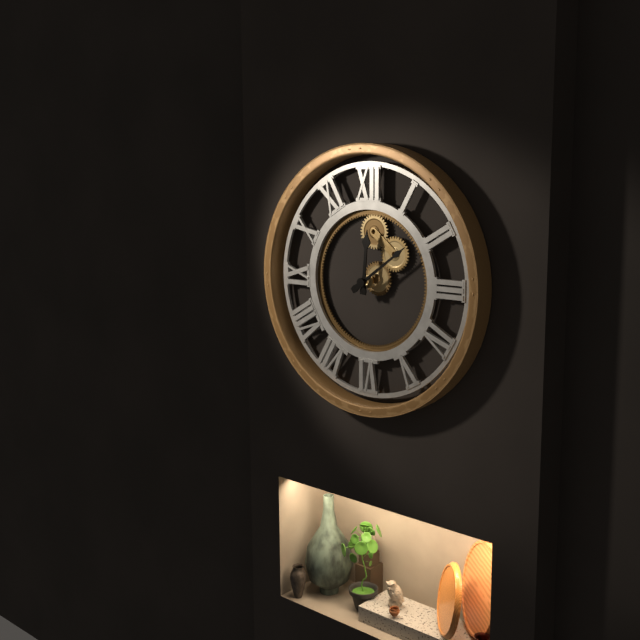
12:09
